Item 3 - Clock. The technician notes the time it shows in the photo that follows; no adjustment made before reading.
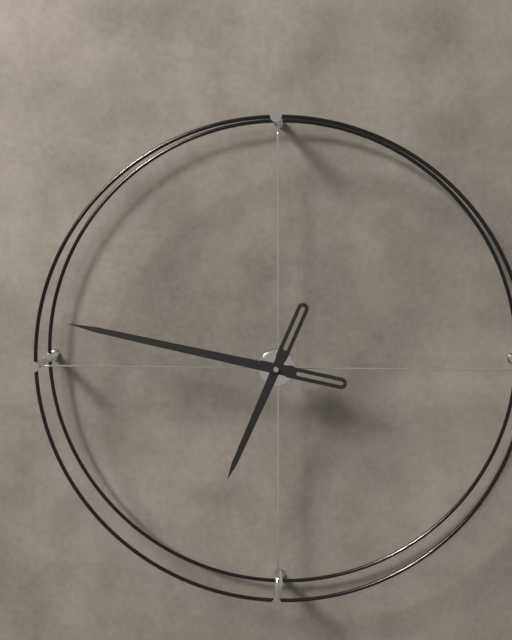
6:47
